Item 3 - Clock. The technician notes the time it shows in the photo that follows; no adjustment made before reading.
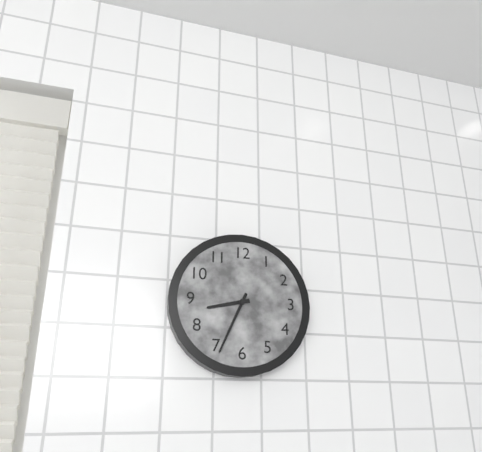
8:34
